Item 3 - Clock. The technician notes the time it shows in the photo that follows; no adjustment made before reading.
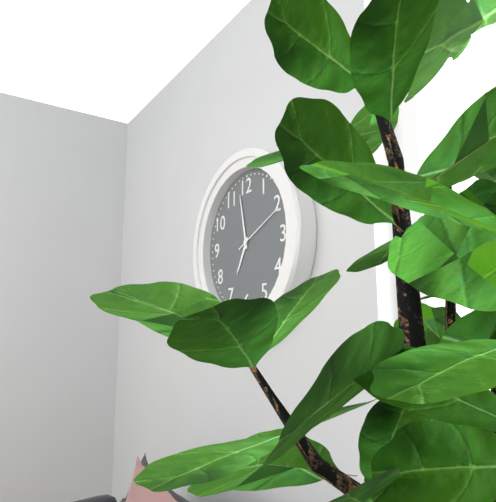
6:58:11
